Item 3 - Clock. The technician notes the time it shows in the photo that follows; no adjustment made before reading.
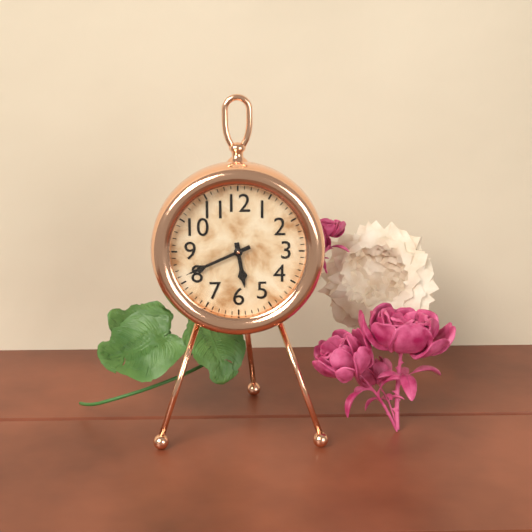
5:41
